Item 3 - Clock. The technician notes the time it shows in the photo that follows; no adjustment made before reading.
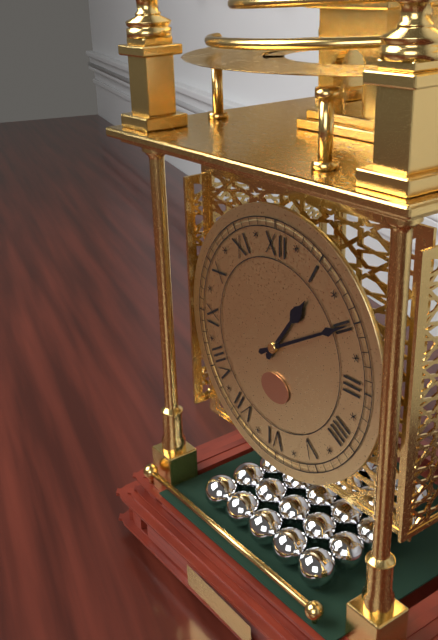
1:10
